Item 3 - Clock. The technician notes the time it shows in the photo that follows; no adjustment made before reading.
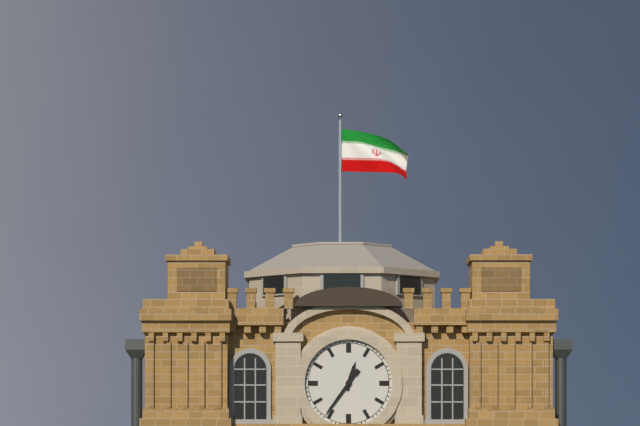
12:36
